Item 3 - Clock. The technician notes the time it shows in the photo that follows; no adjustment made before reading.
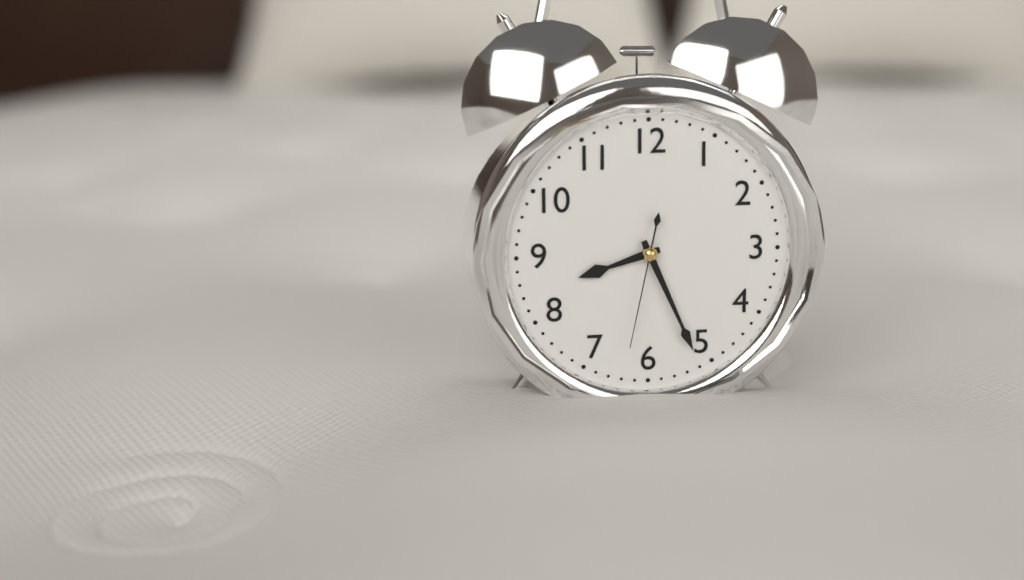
8:26:32
